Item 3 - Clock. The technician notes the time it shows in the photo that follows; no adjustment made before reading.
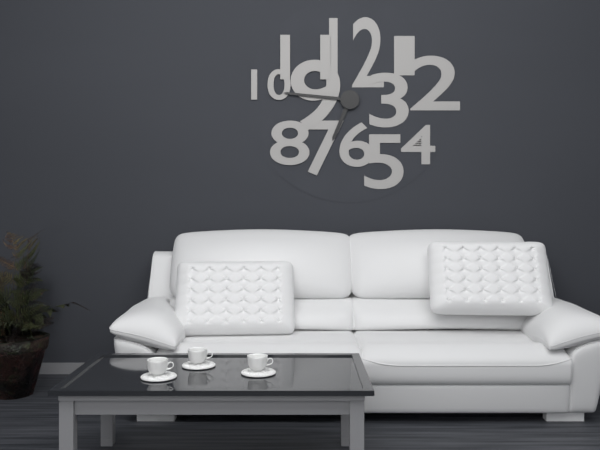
6:46
